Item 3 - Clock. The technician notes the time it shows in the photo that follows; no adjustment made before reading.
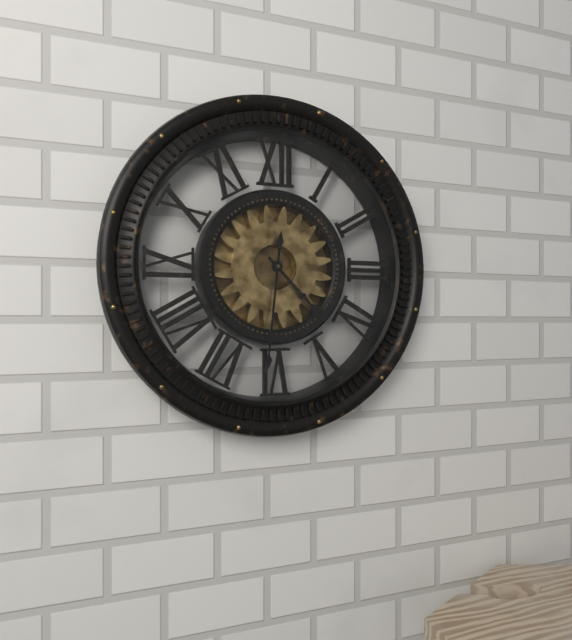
4:31
